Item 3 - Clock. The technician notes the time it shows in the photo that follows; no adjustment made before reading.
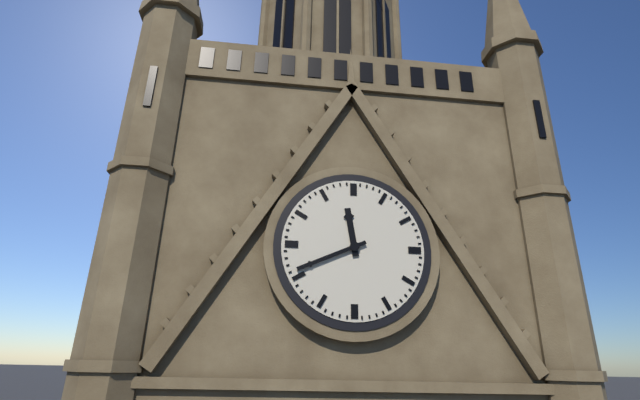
11:41
